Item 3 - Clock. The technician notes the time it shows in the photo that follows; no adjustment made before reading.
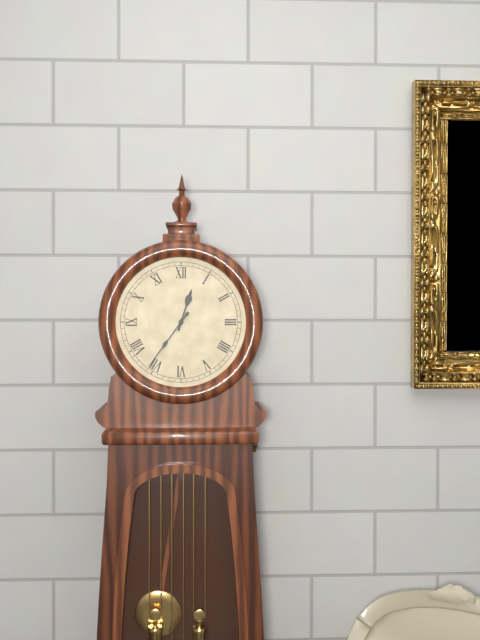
12:36
